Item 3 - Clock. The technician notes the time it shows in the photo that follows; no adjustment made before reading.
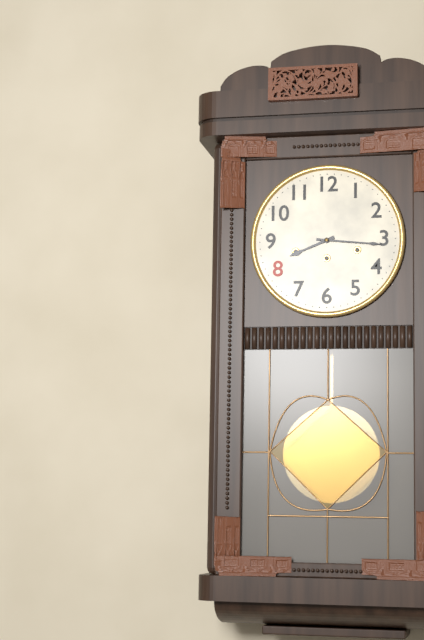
8:16
